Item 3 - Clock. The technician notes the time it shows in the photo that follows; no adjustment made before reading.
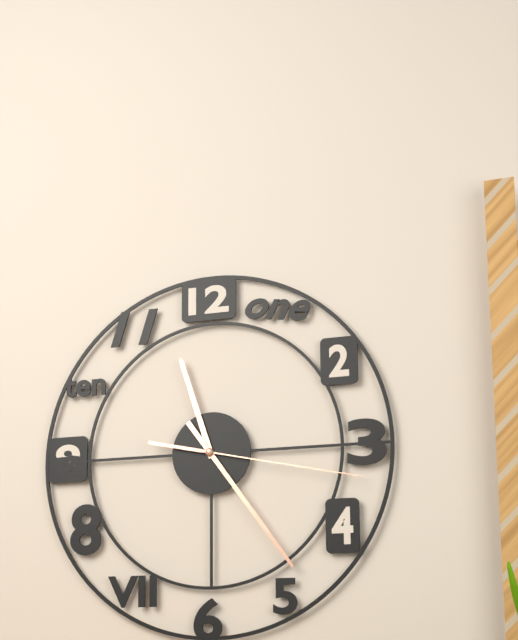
11:24:17
